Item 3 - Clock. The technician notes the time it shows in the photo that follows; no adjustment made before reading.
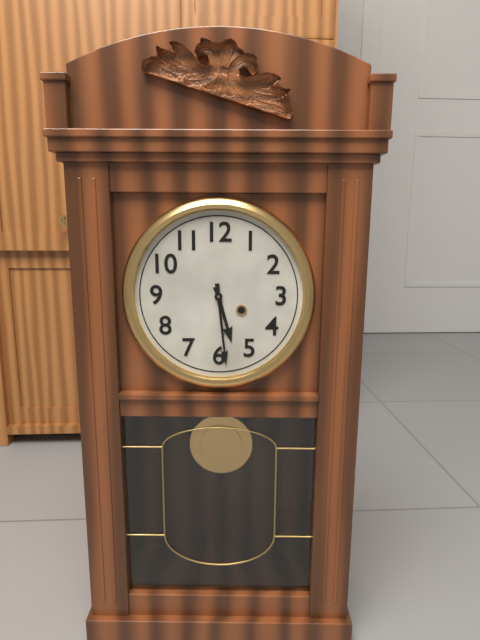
5:29
